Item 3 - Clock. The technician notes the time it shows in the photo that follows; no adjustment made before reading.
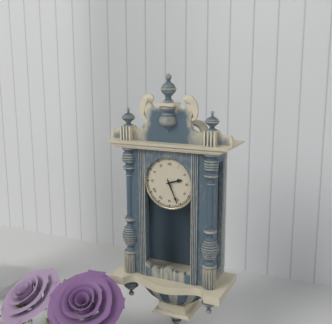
2:26
